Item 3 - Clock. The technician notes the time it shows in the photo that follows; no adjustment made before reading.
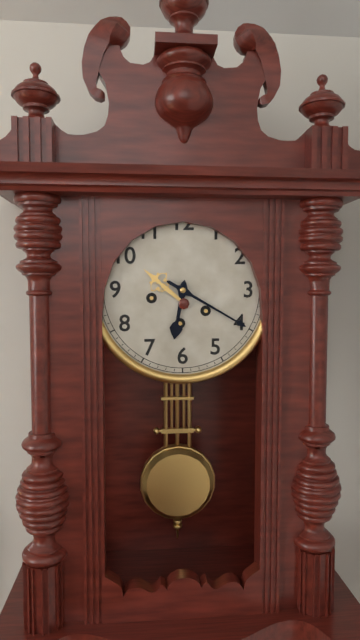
6:20
